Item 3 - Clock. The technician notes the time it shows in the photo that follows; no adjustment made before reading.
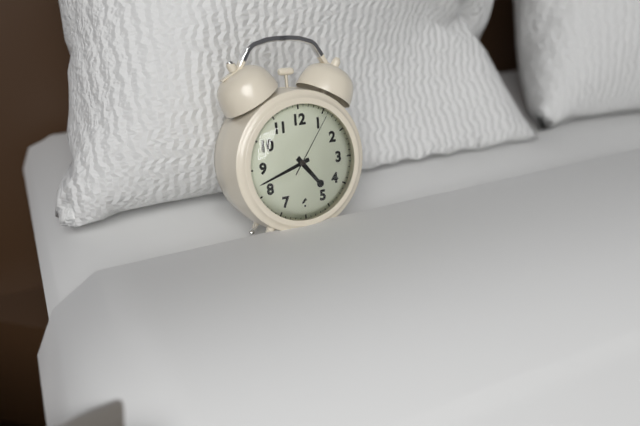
4:42:06
